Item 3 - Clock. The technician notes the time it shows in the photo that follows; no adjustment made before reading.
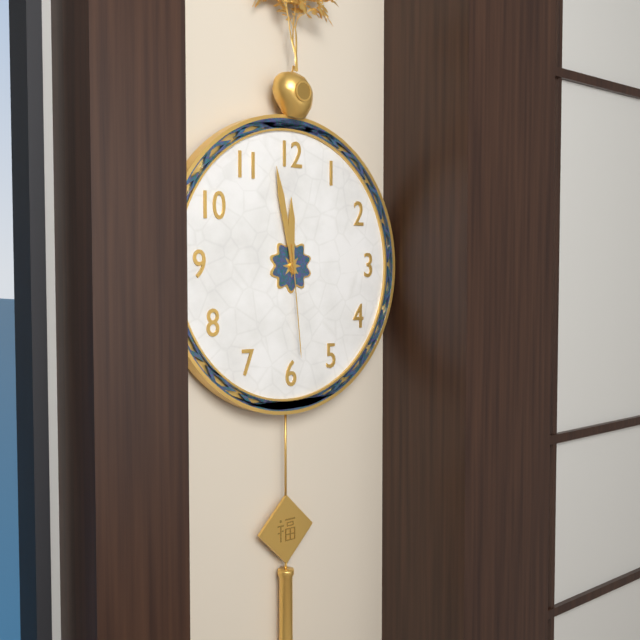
11:58:29
